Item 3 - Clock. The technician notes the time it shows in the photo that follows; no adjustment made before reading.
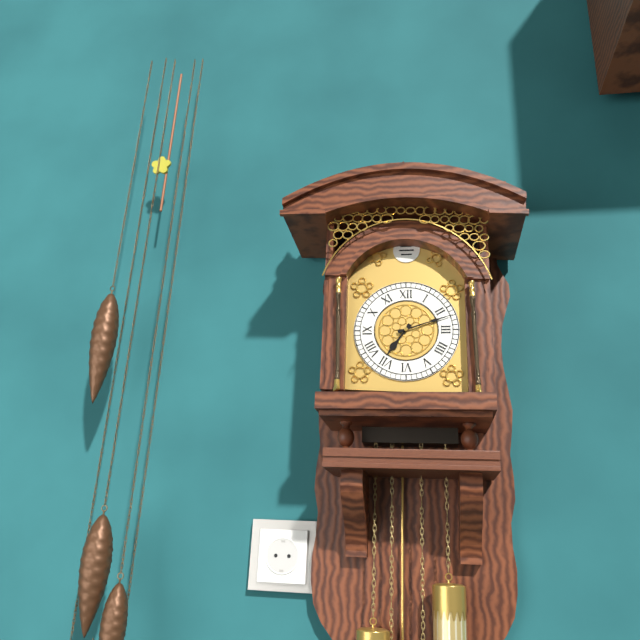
7:12
